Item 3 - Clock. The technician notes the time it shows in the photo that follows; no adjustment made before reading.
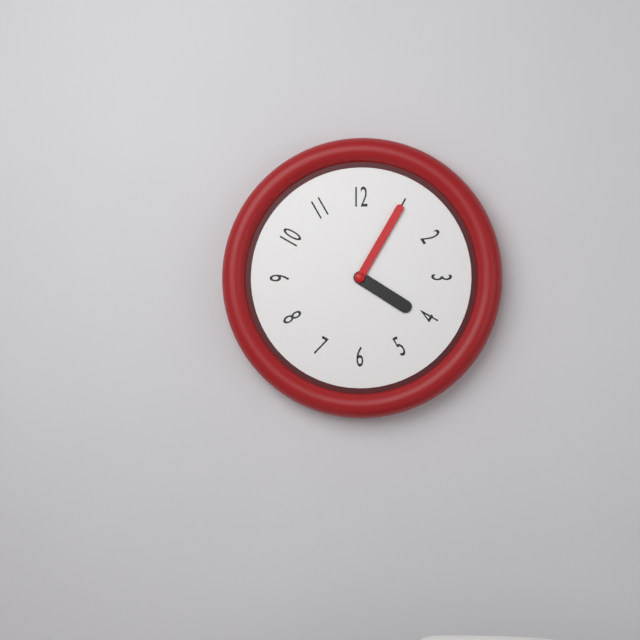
4:05
